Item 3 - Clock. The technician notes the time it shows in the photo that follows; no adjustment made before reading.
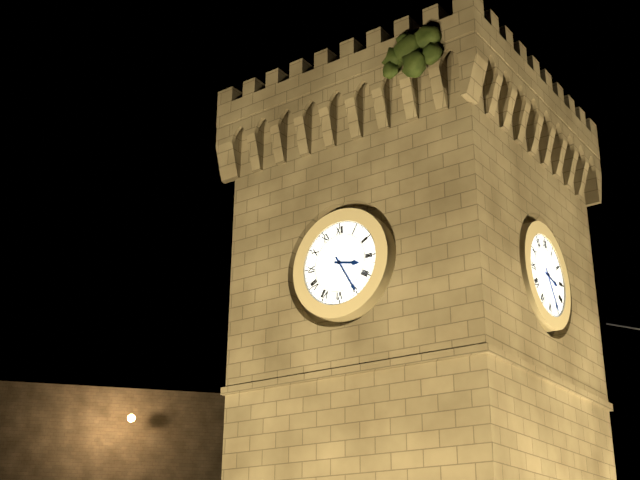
3:25
